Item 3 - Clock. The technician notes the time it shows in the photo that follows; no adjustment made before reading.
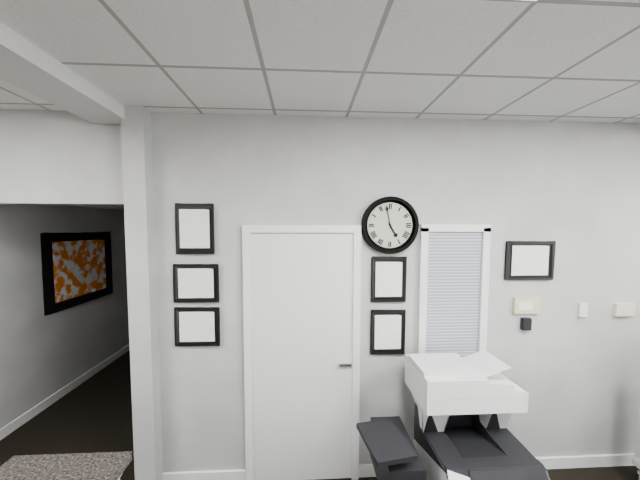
4:58
